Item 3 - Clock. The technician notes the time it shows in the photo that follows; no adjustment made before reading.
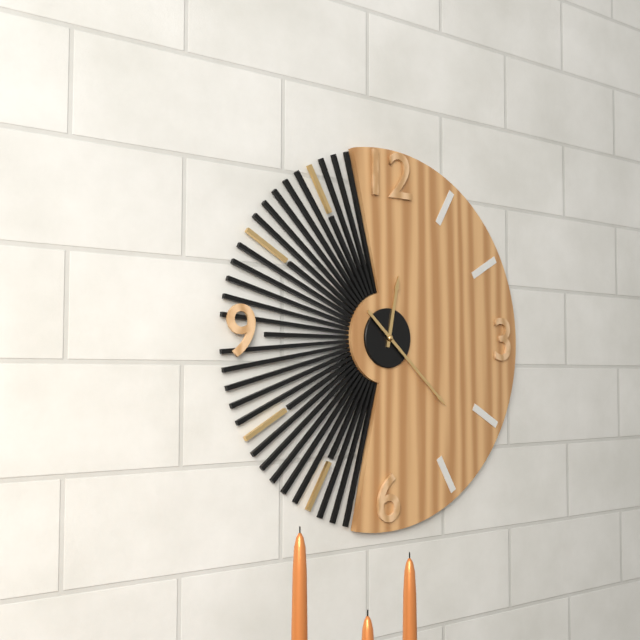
12:22
